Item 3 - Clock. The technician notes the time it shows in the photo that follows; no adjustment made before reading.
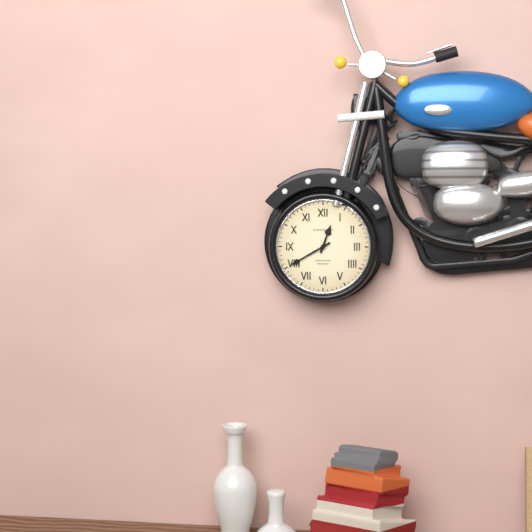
12:40
